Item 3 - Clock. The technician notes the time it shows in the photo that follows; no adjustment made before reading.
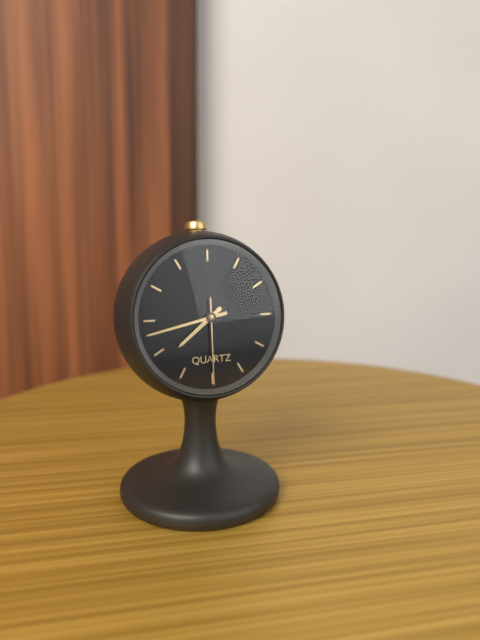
7:43:30
